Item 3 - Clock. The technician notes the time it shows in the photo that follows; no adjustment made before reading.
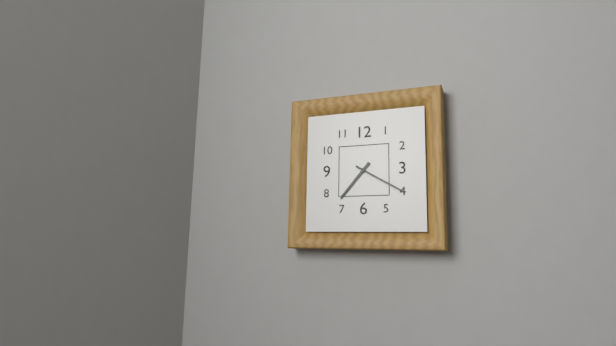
7:20
